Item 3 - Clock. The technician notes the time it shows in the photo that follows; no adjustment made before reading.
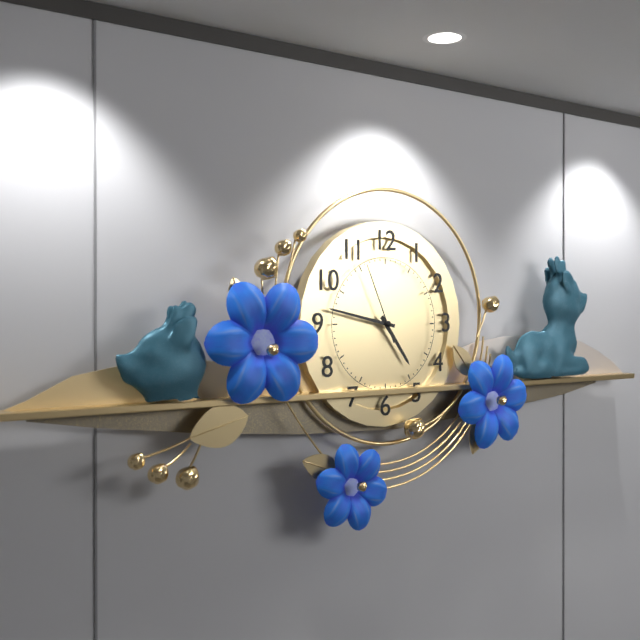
4:47:56
